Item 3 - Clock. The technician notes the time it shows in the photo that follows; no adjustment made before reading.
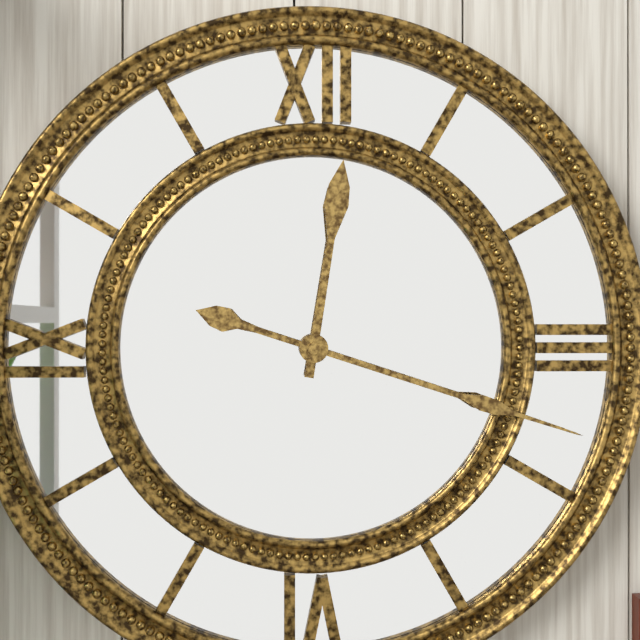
12:18
